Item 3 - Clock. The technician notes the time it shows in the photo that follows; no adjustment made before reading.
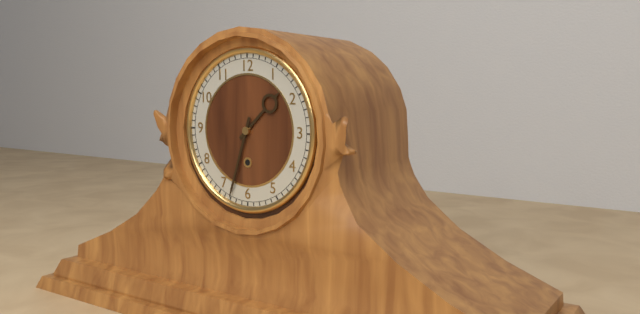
1:33
